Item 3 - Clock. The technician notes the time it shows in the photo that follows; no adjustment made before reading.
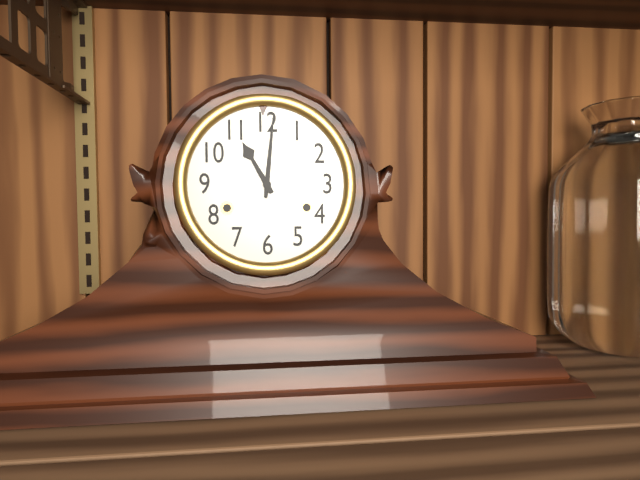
11:01
